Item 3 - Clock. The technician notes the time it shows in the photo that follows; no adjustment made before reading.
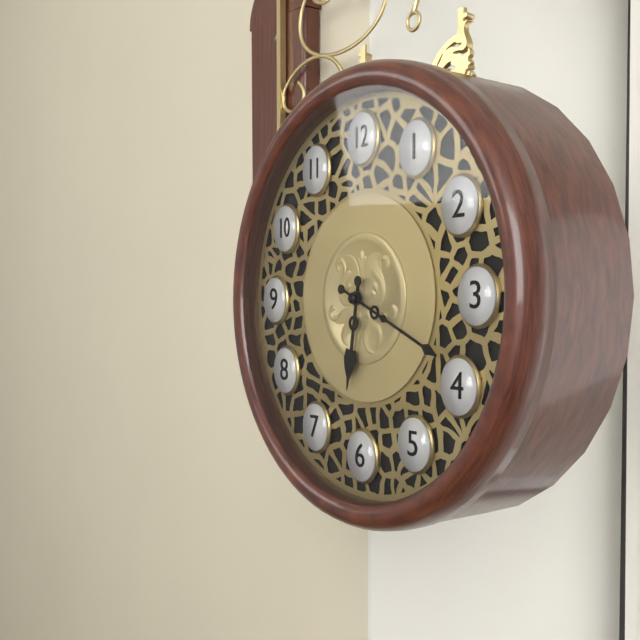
6:19
